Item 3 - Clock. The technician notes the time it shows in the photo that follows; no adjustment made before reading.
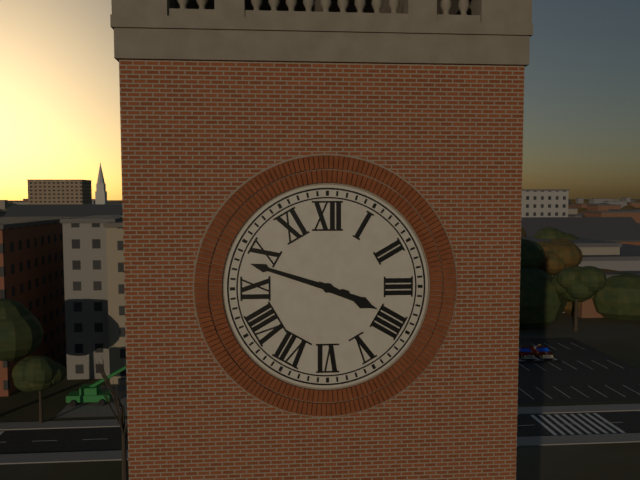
3:48
